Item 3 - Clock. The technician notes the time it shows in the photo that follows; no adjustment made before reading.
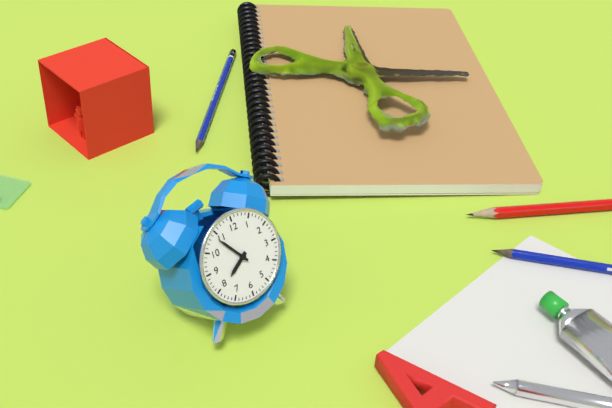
7:54
